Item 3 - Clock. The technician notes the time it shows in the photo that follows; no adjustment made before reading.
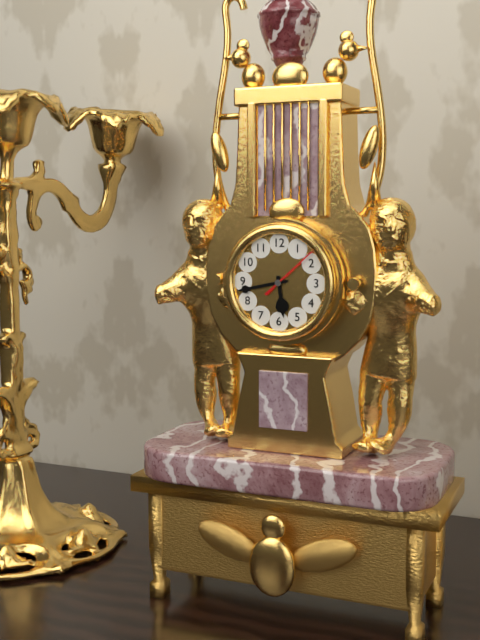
5:43:08
